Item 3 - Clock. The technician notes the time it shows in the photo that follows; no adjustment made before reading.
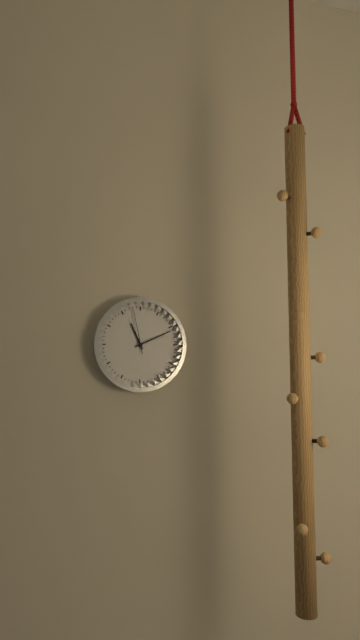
11:11
